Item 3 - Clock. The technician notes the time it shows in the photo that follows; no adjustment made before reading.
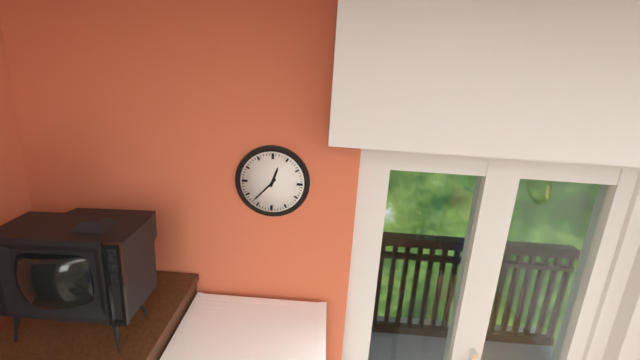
12:37
